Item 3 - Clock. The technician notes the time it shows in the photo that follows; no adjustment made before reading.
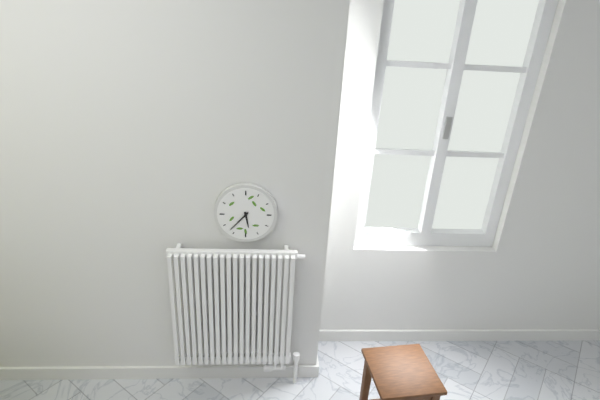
5:37
